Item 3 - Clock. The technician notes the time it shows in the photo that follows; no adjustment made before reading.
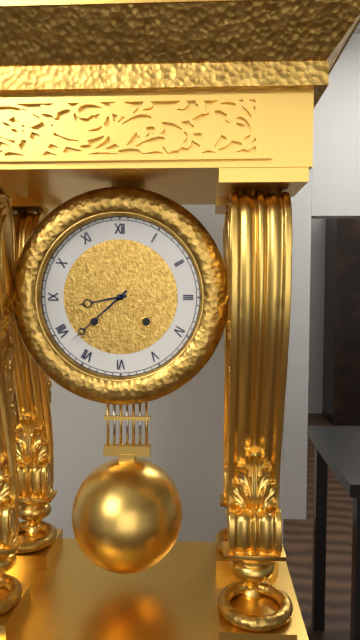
8:38
